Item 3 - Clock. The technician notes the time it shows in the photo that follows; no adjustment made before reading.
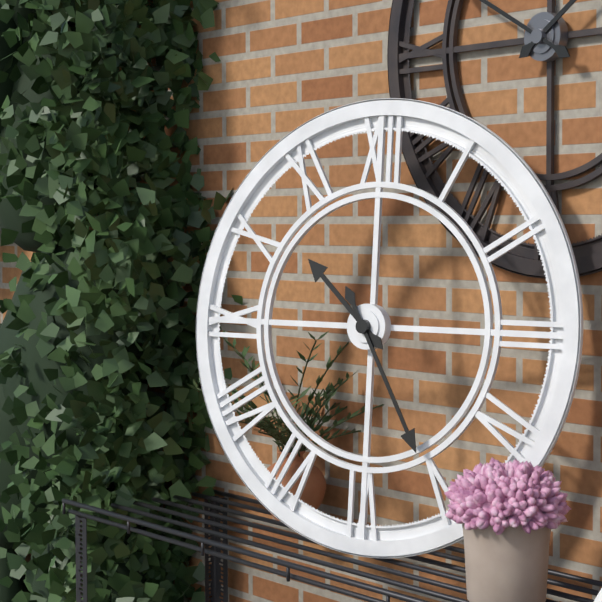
10:25
